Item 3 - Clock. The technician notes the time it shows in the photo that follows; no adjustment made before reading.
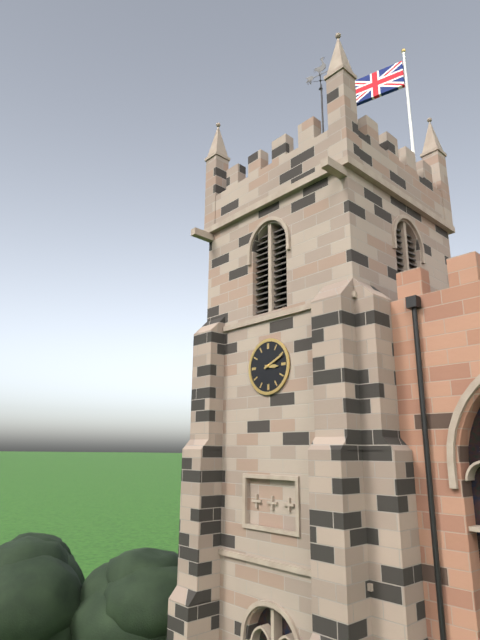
3:11
